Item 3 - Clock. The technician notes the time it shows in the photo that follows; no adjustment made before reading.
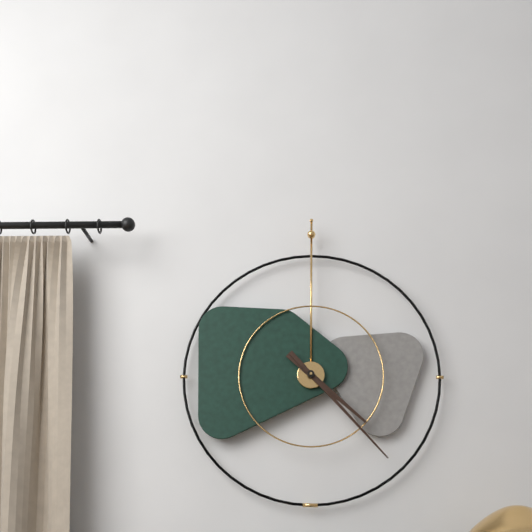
4:23
